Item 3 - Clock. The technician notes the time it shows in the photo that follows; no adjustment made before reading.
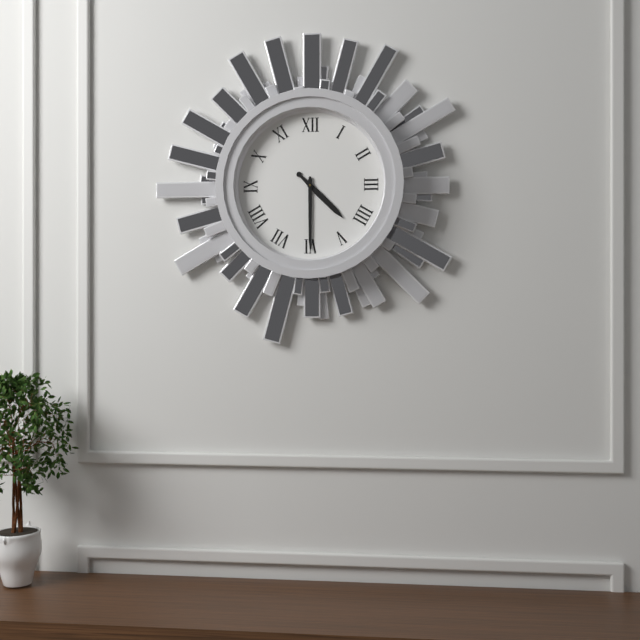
4:30
